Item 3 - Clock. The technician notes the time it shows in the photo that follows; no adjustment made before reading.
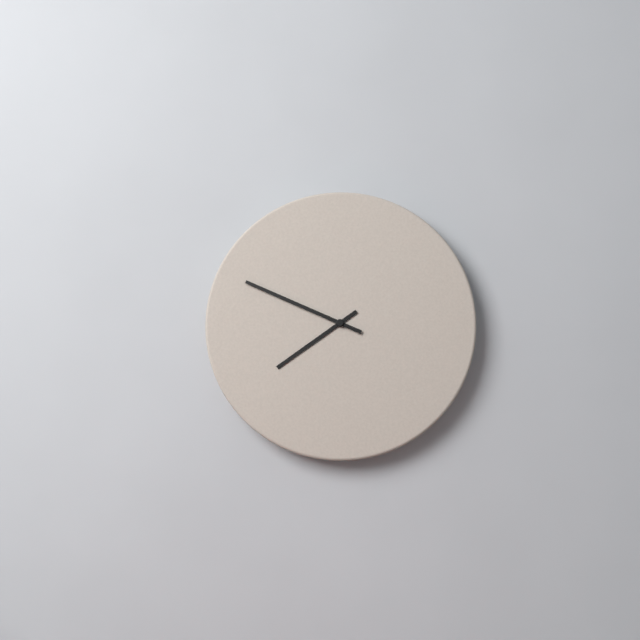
7:49
